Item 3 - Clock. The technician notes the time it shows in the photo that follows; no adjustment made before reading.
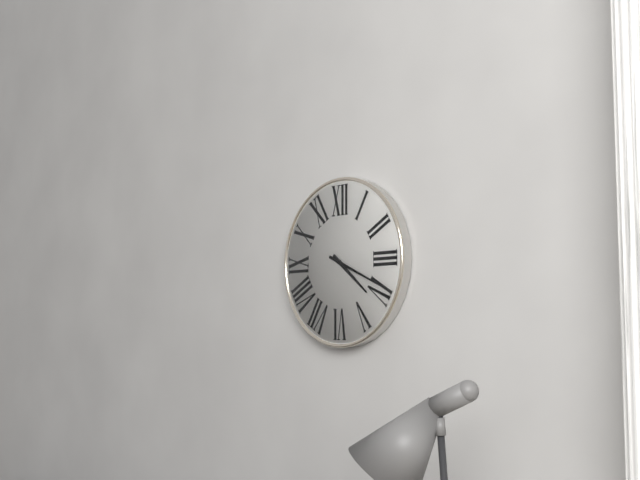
4:19
